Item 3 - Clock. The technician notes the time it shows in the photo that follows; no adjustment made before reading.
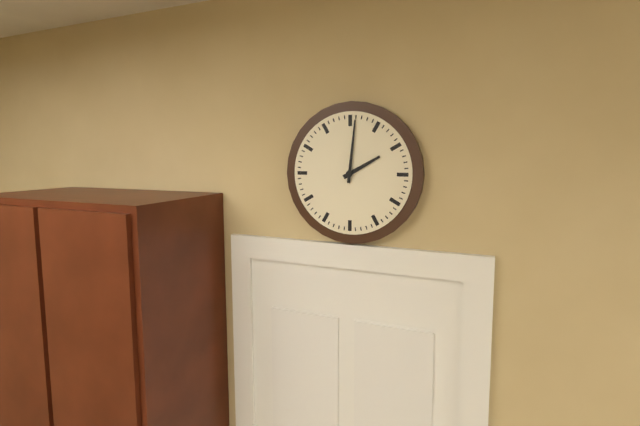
2:01
